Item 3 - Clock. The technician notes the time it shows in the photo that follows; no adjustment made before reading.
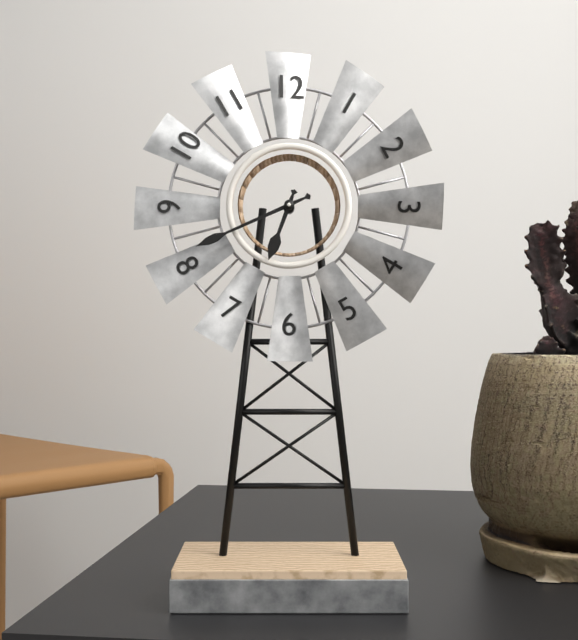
6:41
